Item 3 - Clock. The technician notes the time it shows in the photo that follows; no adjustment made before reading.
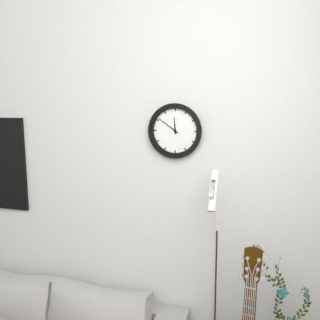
11:51
